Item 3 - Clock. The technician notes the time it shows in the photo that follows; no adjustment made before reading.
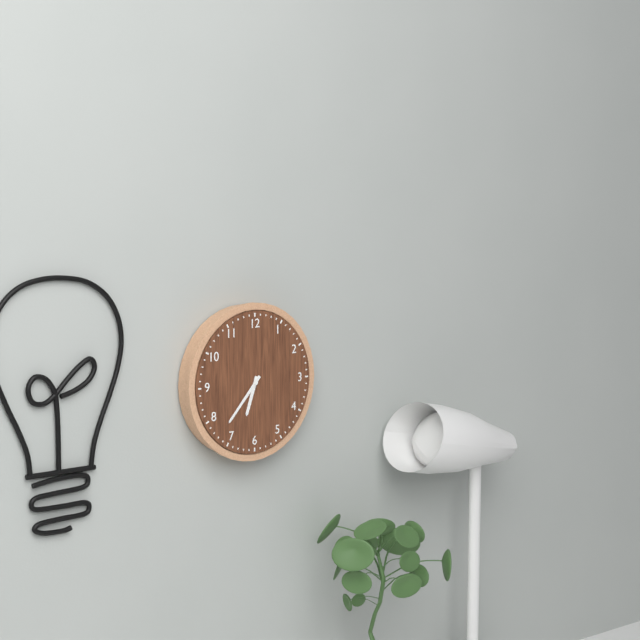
6:37
